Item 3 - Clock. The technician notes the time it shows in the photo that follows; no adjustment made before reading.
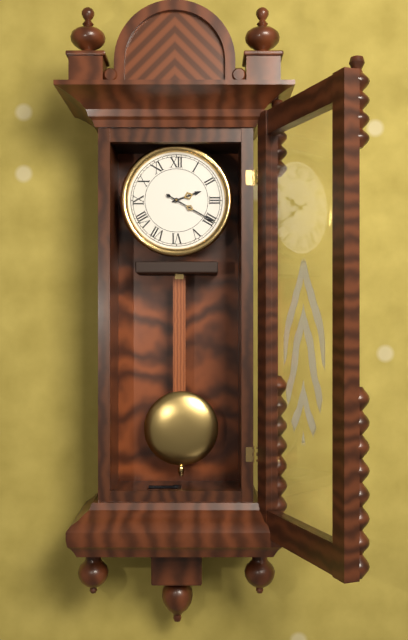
2:20
